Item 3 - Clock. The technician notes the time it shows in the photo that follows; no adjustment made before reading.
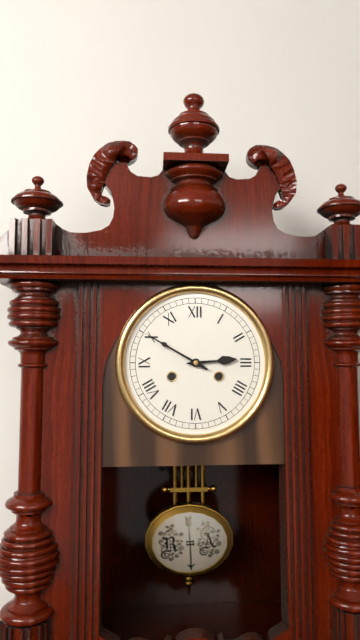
2:50
